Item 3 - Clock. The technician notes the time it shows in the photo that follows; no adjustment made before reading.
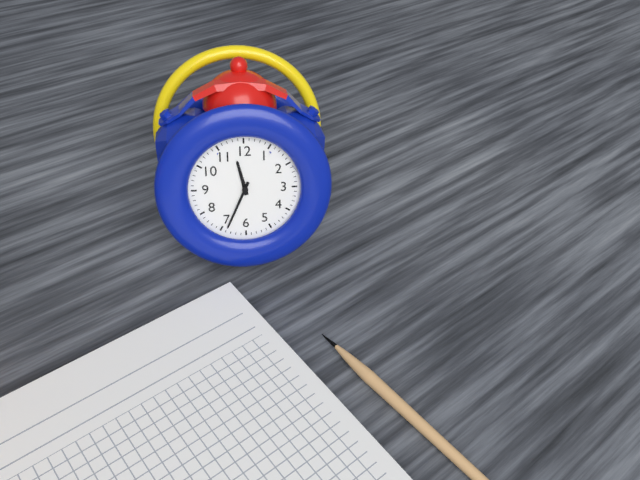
11:34
